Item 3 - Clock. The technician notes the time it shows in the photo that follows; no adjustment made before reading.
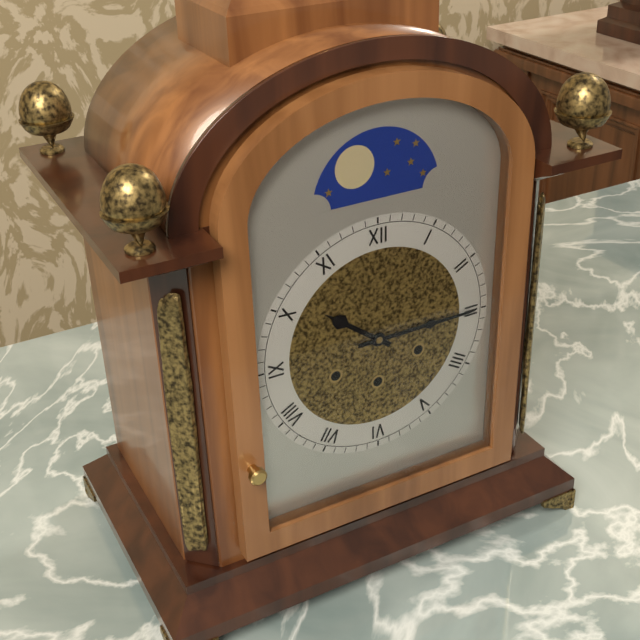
10:15
